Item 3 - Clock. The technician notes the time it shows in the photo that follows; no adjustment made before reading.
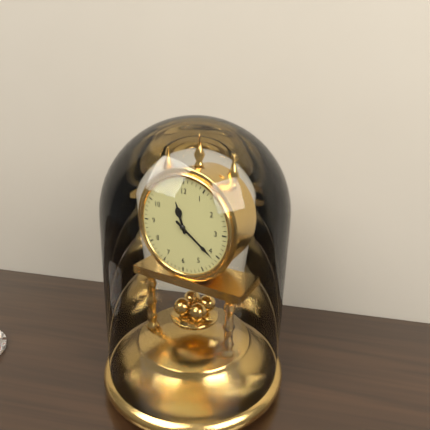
11:21
